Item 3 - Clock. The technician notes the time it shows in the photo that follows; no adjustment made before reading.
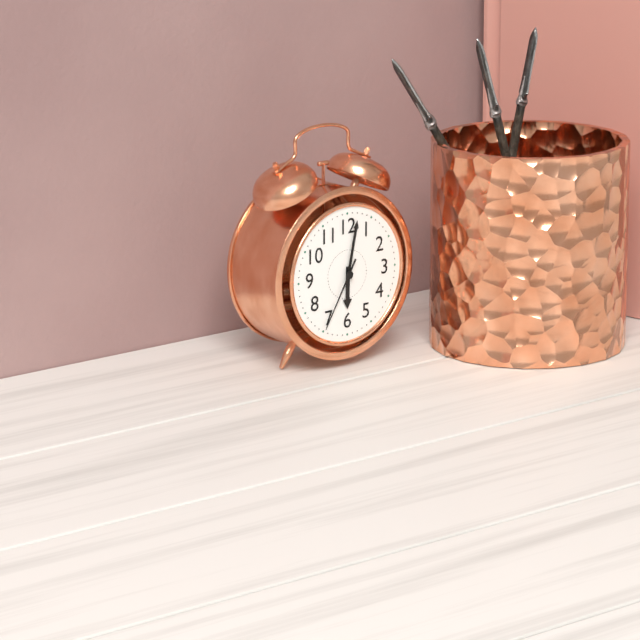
6:02:35
